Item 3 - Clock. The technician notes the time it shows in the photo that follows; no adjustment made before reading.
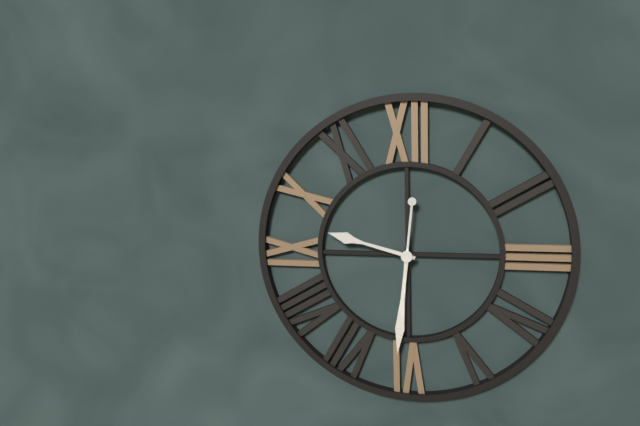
9:31
